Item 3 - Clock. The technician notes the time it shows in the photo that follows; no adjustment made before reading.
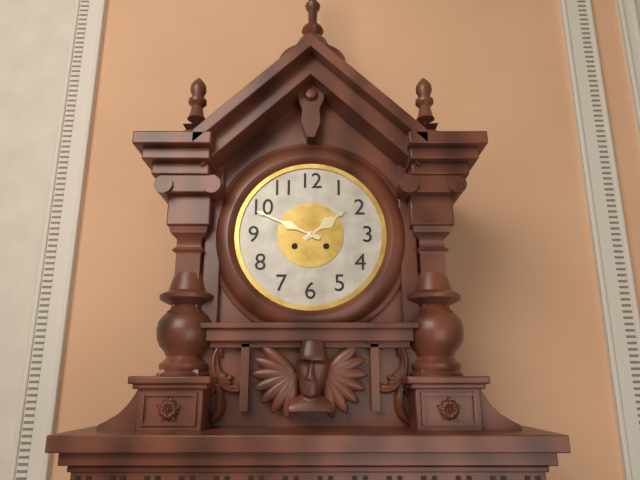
1:49
